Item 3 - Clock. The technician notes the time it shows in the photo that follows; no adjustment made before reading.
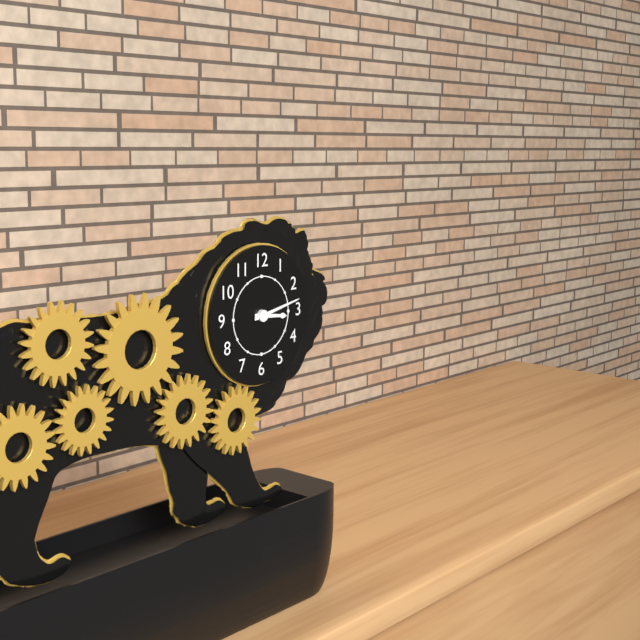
3:13
